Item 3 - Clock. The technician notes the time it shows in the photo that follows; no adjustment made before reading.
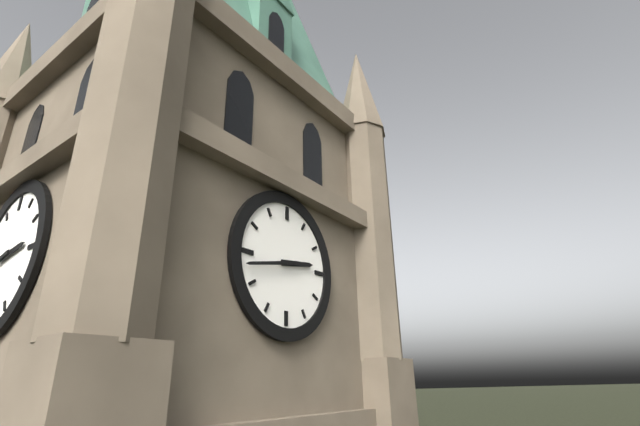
2:43
